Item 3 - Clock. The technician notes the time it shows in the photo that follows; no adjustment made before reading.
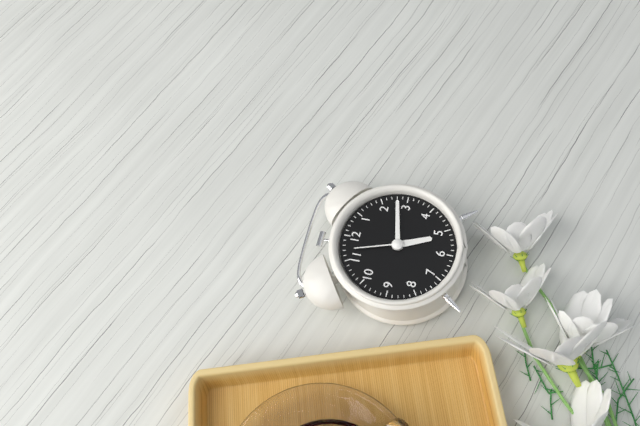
5:13:57
